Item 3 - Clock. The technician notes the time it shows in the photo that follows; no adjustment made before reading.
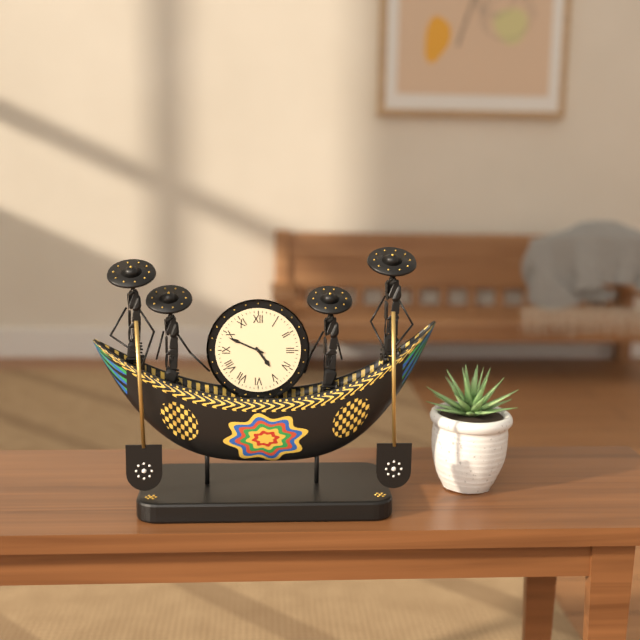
4:49
